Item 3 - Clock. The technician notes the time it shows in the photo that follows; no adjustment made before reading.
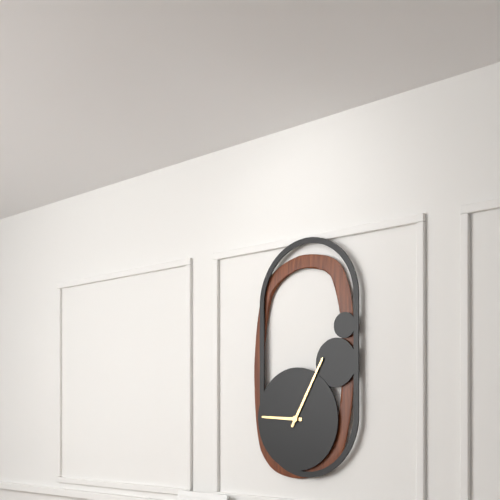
9:05
